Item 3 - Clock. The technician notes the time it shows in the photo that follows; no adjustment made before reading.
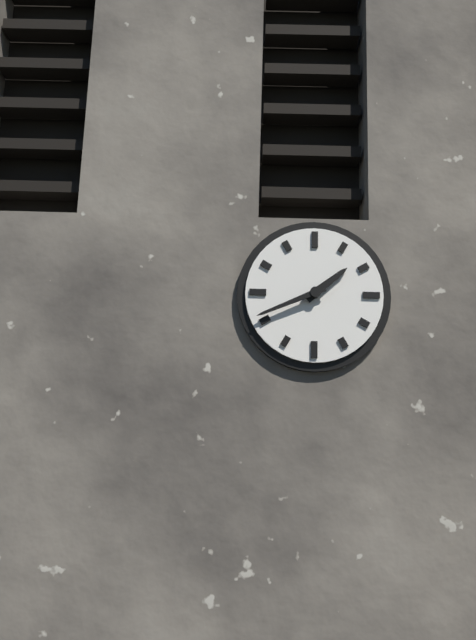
1:41
